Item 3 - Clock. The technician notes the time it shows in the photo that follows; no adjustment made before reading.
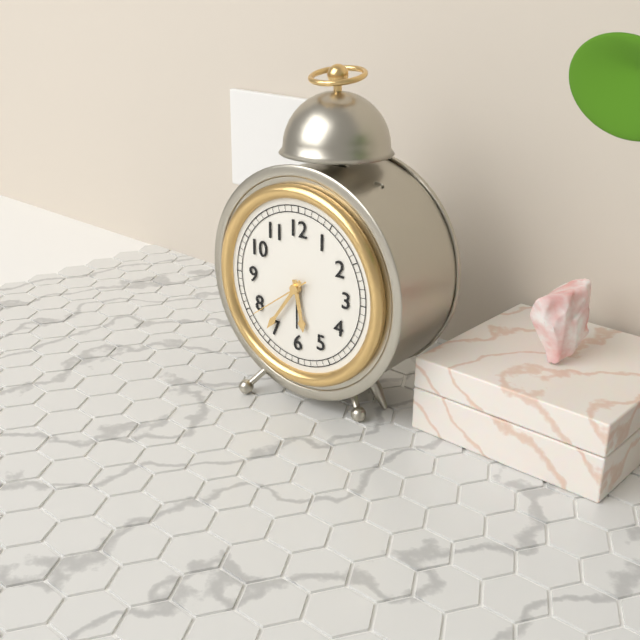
5:36:39
